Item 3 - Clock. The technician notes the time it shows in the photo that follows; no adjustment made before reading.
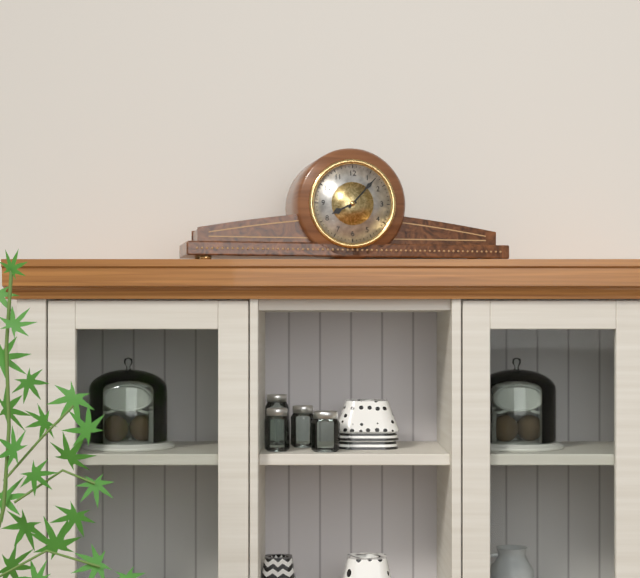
8:07
